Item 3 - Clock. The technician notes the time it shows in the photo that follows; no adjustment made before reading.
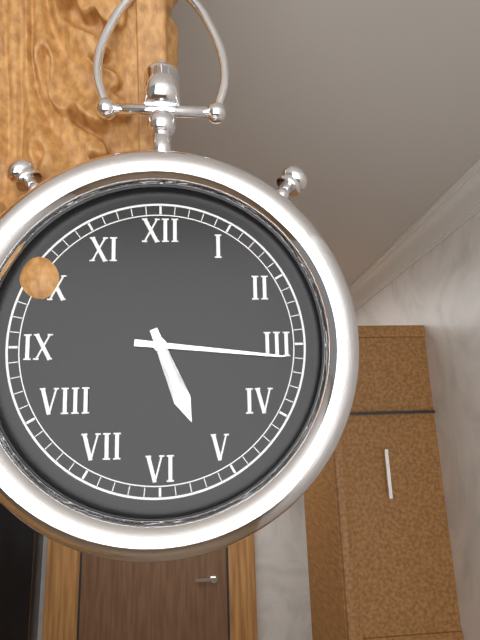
5:16
